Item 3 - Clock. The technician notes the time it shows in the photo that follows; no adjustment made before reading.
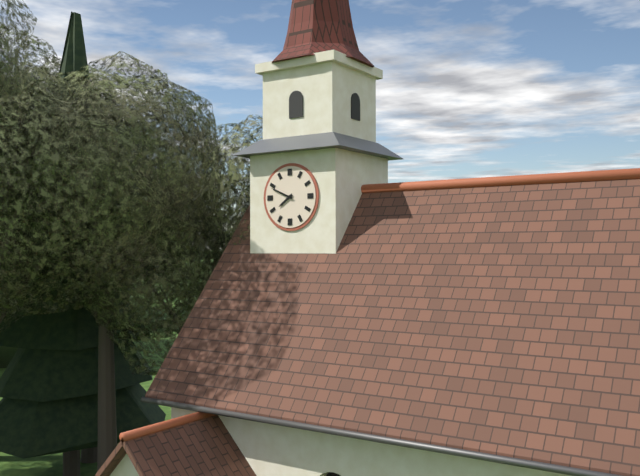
7:49
